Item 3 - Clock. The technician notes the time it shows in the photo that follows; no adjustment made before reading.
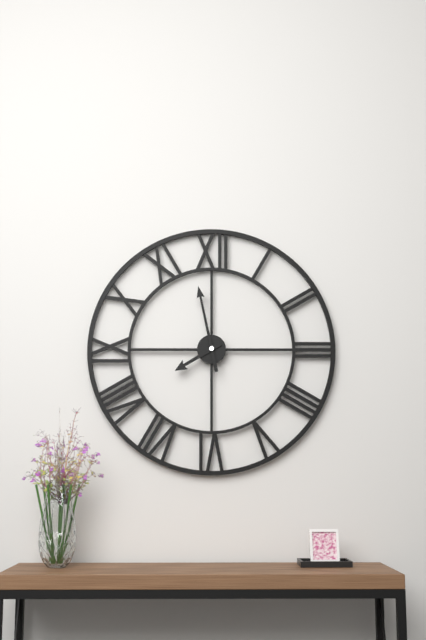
7:58
